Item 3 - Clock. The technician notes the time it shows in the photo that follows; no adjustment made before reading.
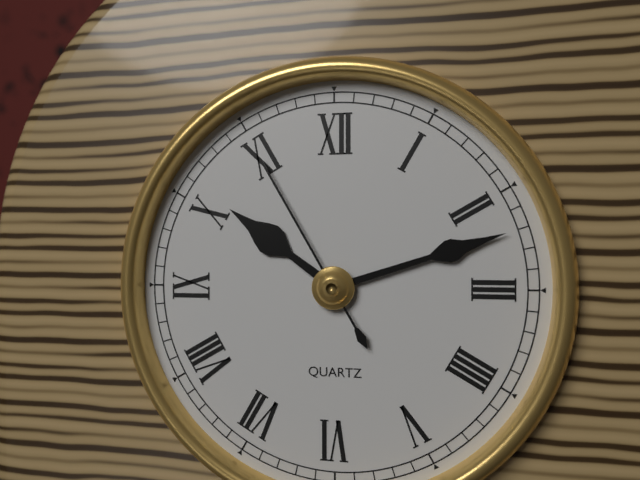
10:12:55
